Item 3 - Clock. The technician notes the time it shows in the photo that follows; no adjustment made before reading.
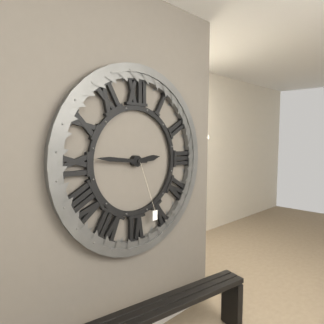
2:46
